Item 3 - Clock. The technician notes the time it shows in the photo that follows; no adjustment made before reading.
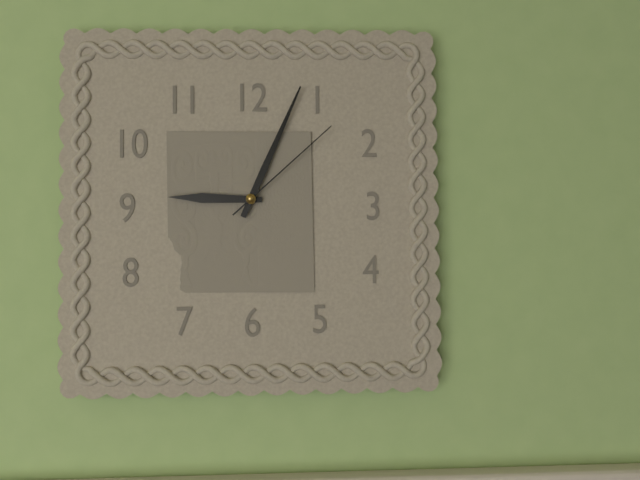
9:04:08
